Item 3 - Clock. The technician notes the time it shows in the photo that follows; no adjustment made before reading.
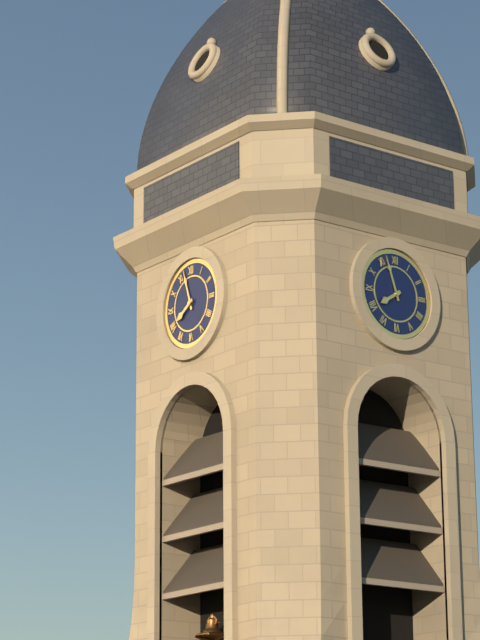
7:57
